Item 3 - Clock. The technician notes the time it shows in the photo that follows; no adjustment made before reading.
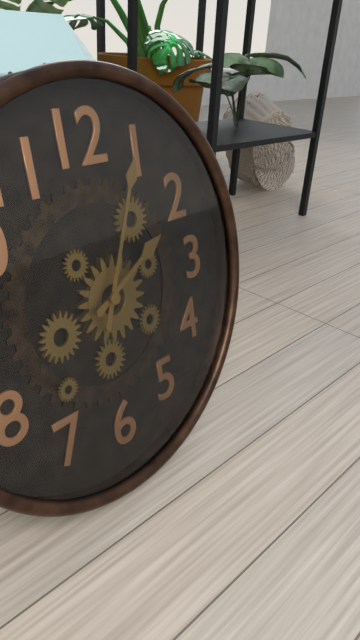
2:04
